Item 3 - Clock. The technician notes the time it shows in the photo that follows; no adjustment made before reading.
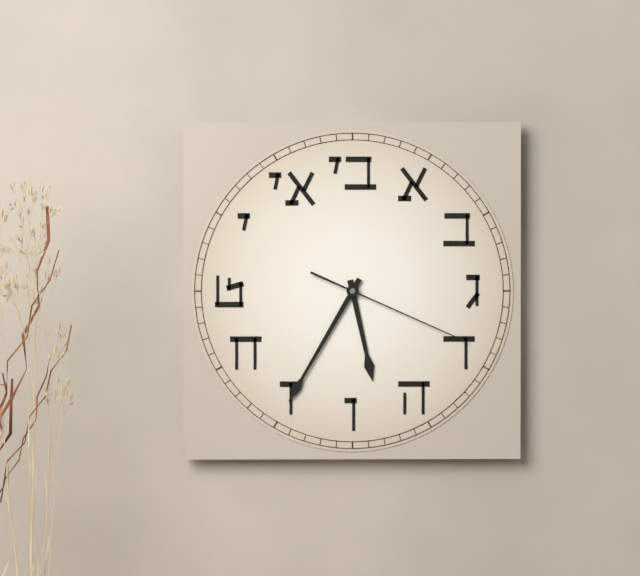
5:35:19
